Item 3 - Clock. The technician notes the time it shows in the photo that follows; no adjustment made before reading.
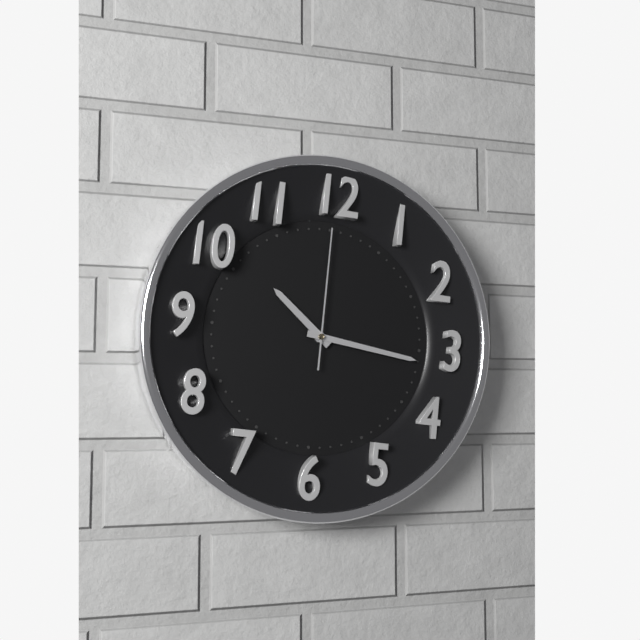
10:16:00
